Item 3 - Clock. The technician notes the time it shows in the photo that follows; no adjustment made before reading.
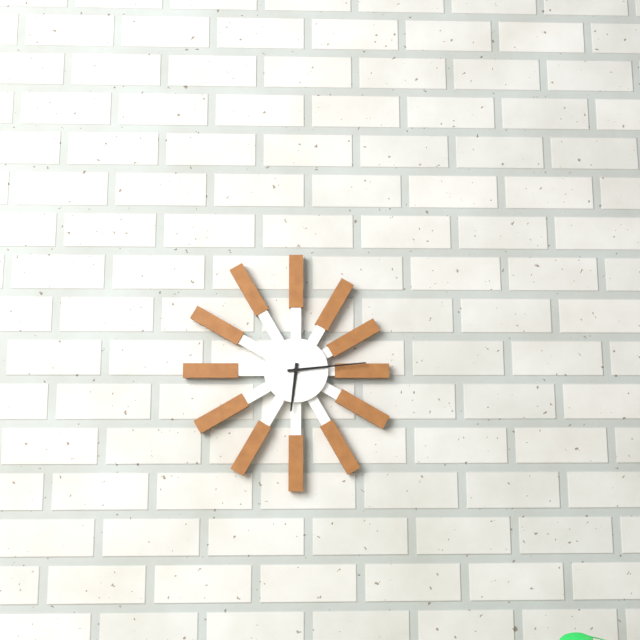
6:14
